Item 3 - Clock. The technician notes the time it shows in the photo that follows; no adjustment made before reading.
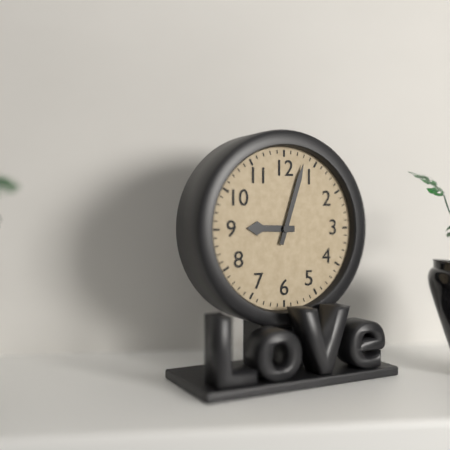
9:03
